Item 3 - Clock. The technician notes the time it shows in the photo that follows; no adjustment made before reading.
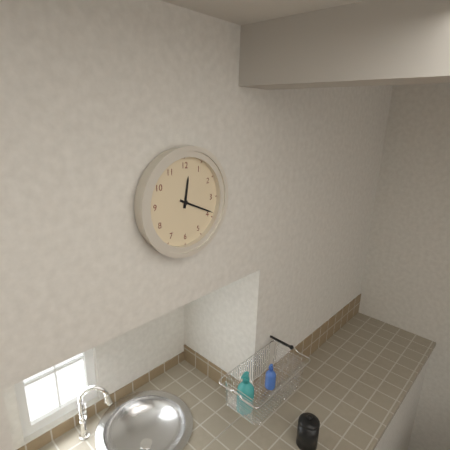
12:19
